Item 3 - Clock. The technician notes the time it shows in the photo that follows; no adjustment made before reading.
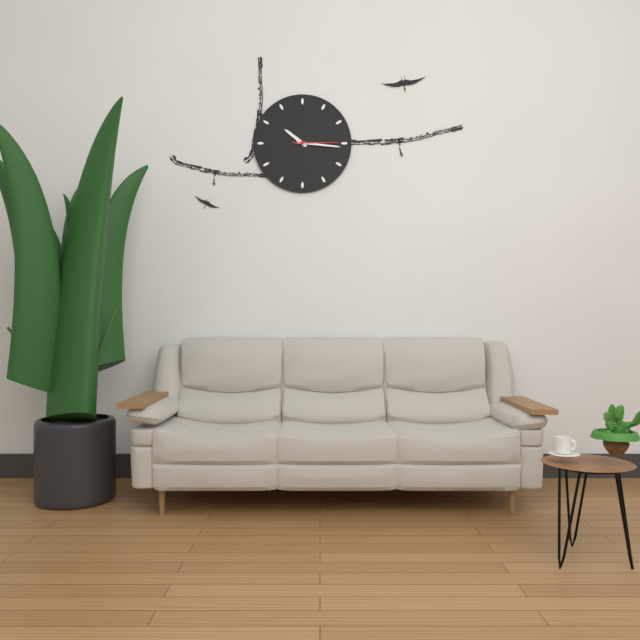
10:16
